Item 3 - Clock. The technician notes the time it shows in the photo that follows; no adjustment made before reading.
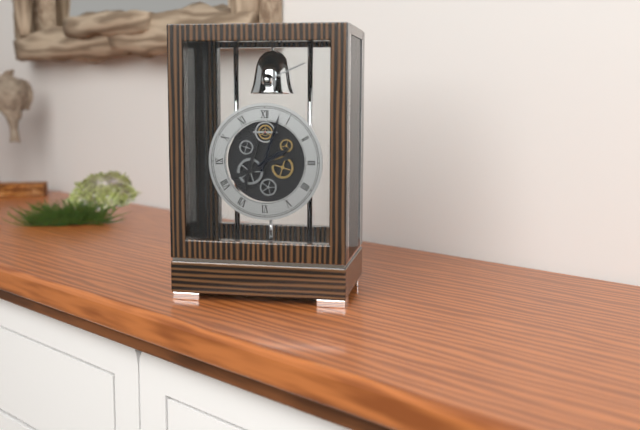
2:03
